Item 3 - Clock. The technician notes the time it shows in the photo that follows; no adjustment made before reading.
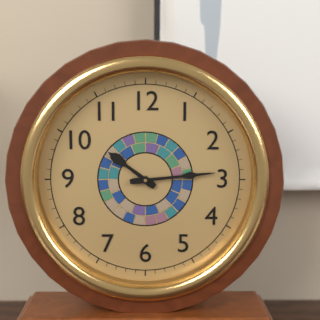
10:14
